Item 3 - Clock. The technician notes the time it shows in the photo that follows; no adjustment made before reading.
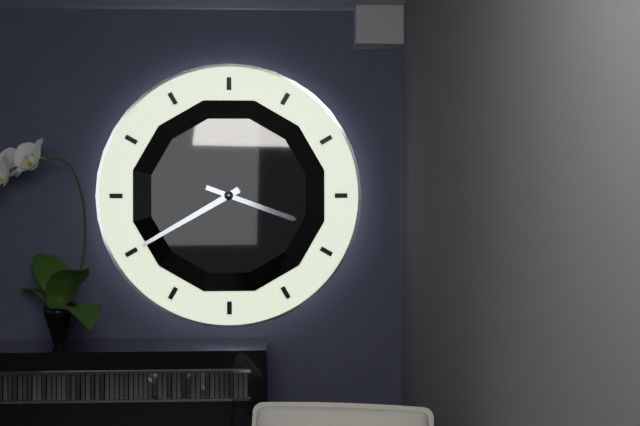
3:40
